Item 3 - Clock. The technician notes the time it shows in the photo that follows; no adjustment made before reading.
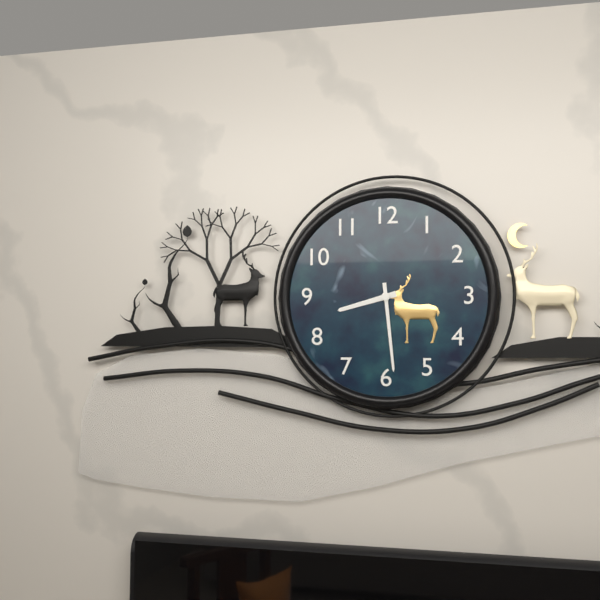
8:29
